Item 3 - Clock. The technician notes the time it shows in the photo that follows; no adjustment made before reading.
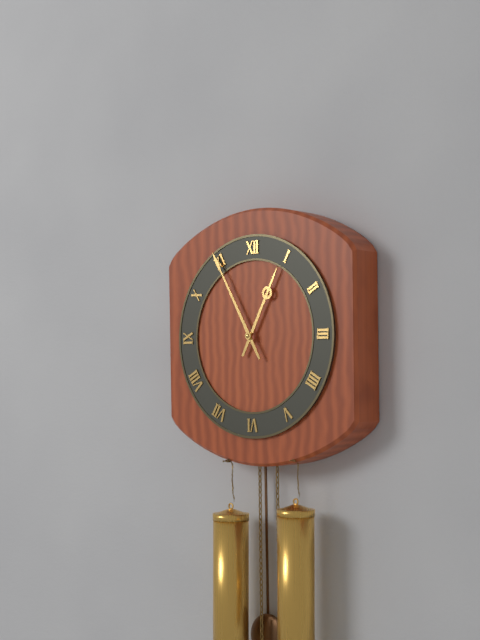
12:55
